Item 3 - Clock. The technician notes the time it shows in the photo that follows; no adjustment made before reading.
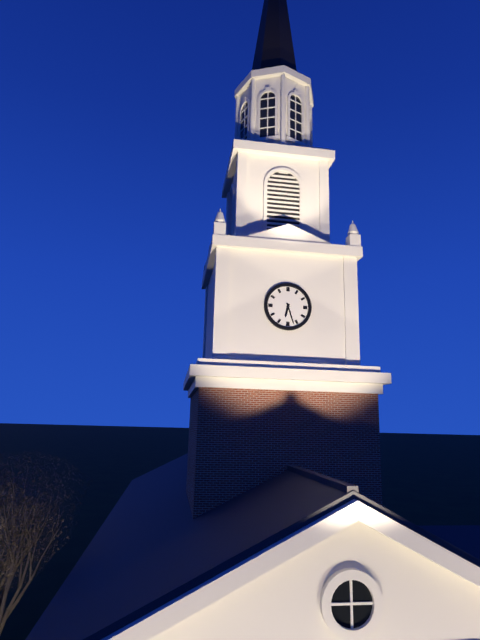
6:27
